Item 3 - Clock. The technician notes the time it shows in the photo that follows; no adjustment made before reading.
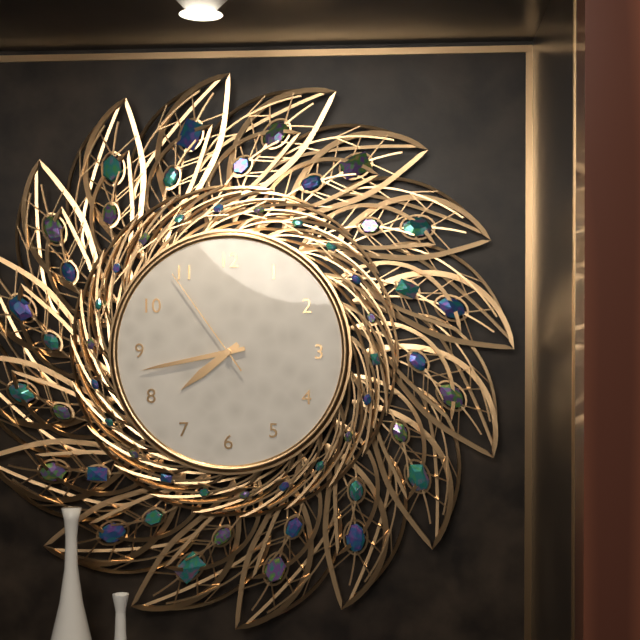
7:43:54
